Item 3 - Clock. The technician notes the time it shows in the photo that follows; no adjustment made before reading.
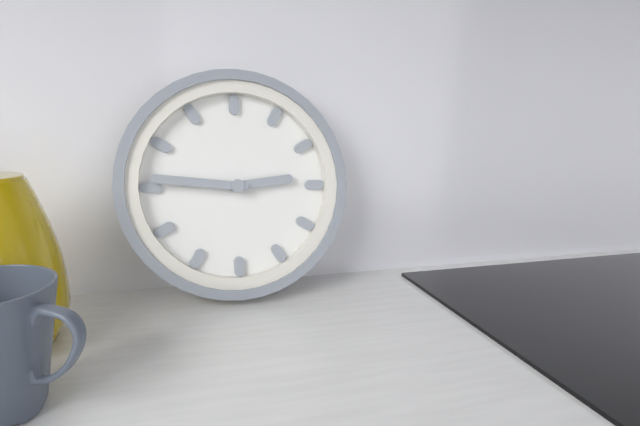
2:46
